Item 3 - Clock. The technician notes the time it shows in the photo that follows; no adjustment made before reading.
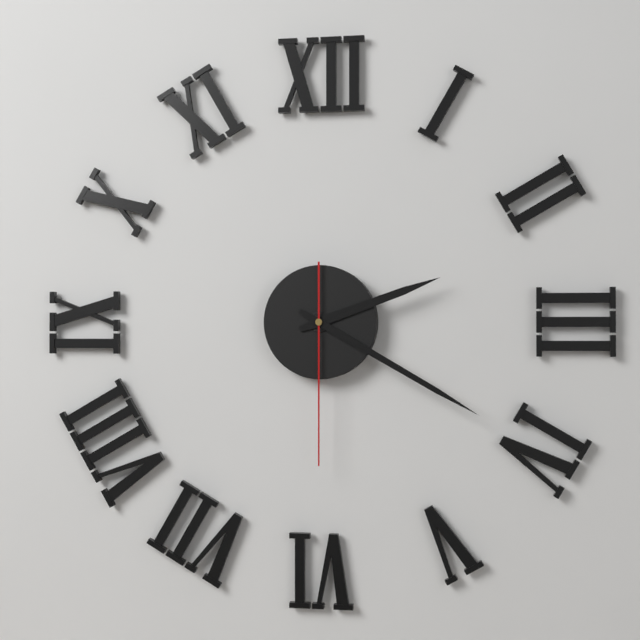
2:20:30
